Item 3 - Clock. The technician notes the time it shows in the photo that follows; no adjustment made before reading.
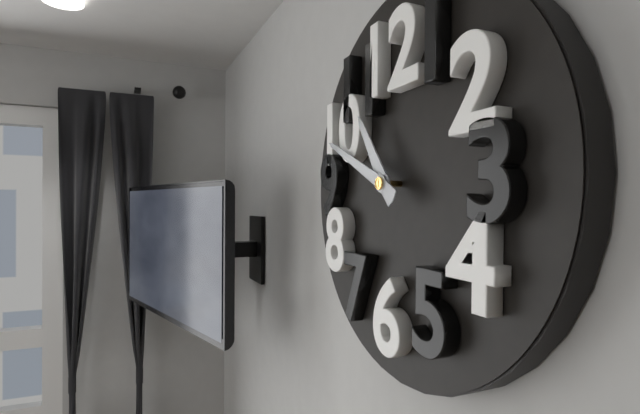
10:49
